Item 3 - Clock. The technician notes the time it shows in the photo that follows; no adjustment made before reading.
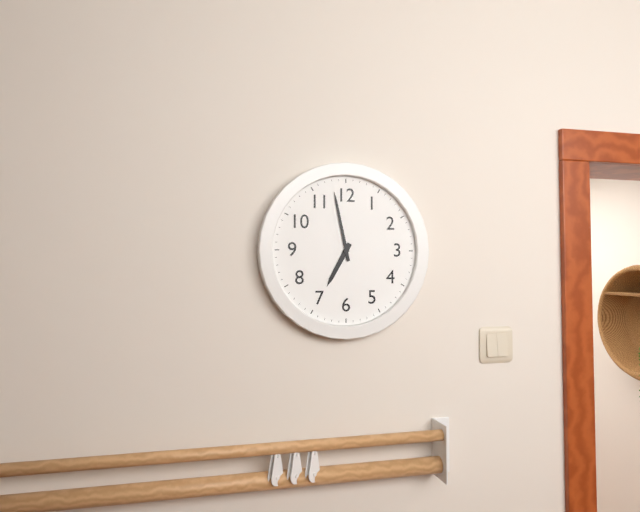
6:58
